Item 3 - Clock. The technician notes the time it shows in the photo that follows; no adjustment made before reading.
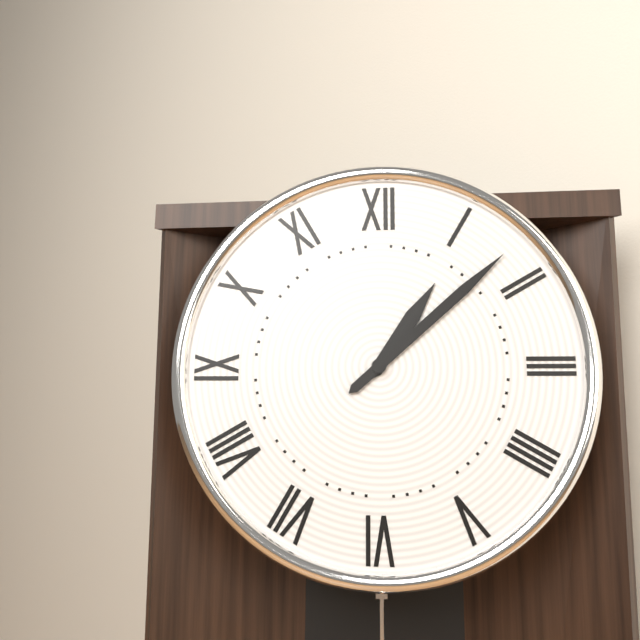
1:08
